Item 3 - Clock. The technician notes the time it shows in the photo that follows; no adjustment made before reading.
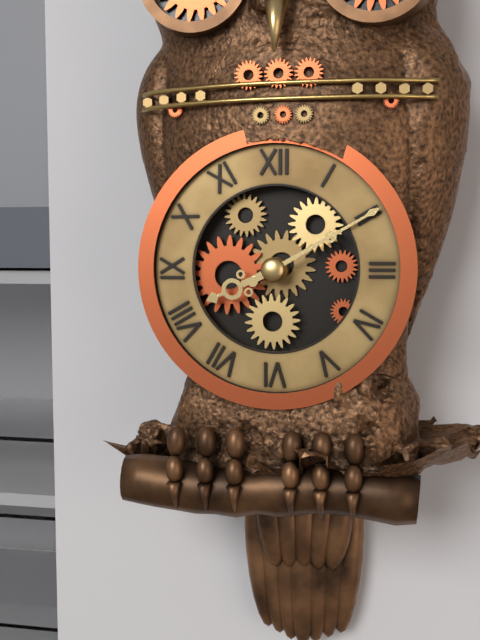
8:10
